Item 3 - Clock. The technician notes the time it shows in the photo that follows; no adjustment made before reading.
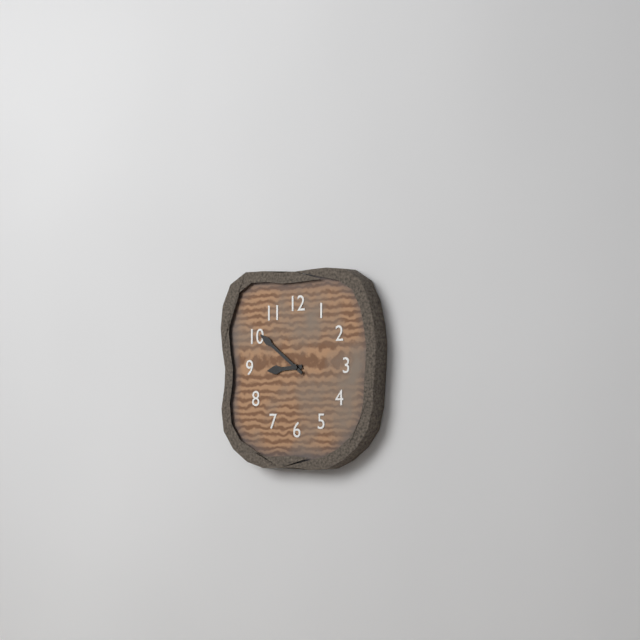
8:51
